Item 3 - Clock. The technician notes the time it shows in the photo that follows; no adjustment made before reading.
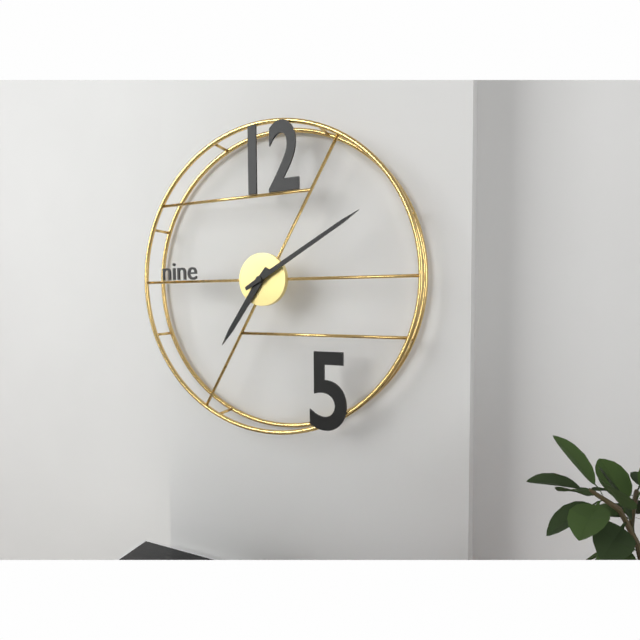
7:10
